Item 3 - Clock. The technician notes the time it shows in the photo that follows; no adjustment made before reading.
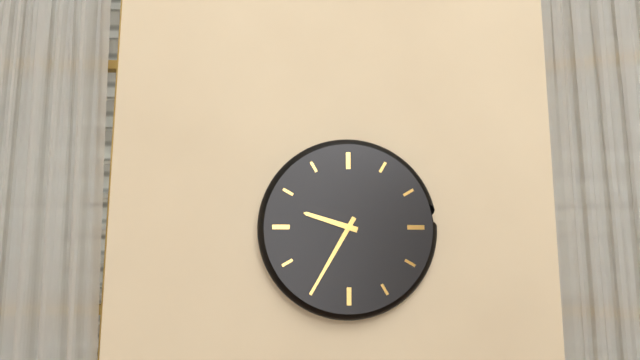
9:35
